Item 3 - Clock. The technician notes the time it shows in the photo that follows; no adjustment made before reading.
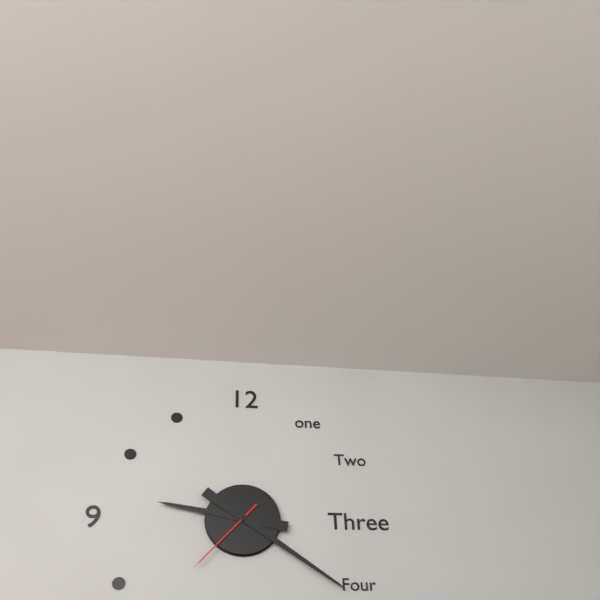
9:21:37
